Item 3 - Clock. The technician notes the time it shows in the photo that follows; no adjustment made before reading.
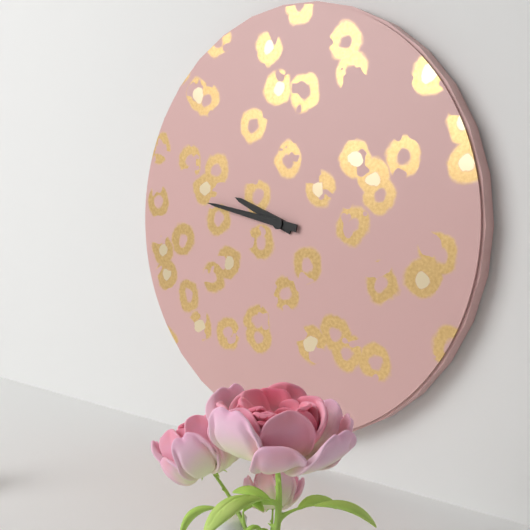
9:47
